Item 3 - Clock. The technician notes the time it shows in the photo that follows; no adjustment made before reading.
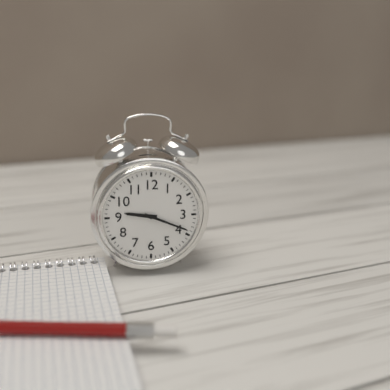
9:19
